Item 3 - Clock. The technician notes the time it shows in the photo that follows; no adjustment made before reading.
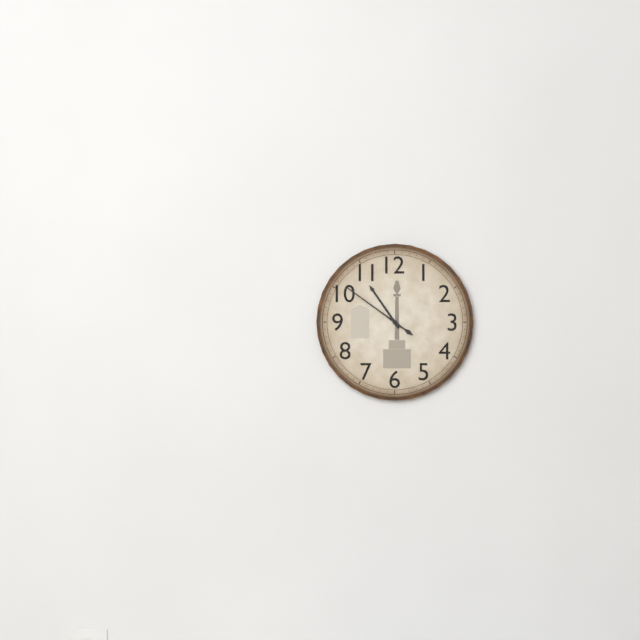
10:51
